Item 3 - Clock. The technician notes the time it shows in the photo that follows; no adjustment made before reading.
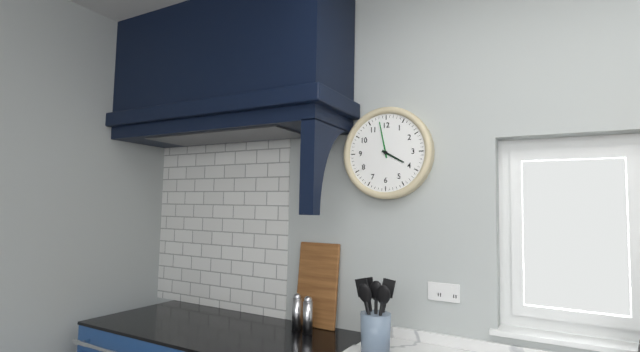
3:58
